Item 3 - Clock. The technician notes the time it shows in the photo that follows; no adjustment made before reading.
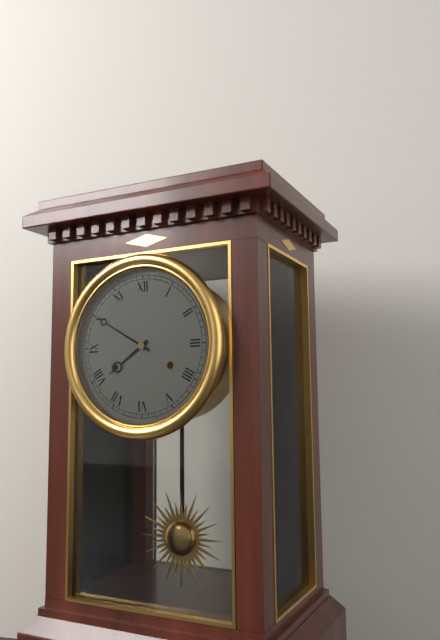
7:50
